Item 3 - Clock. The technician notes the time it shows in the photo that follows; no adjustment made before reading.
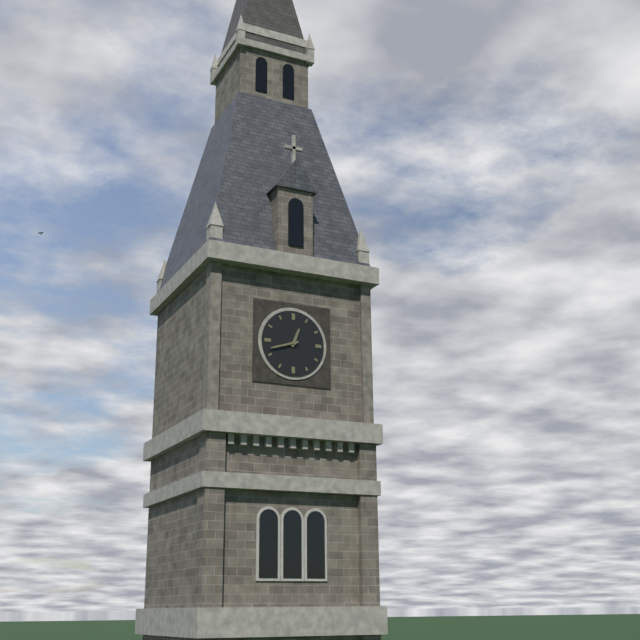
12:42
